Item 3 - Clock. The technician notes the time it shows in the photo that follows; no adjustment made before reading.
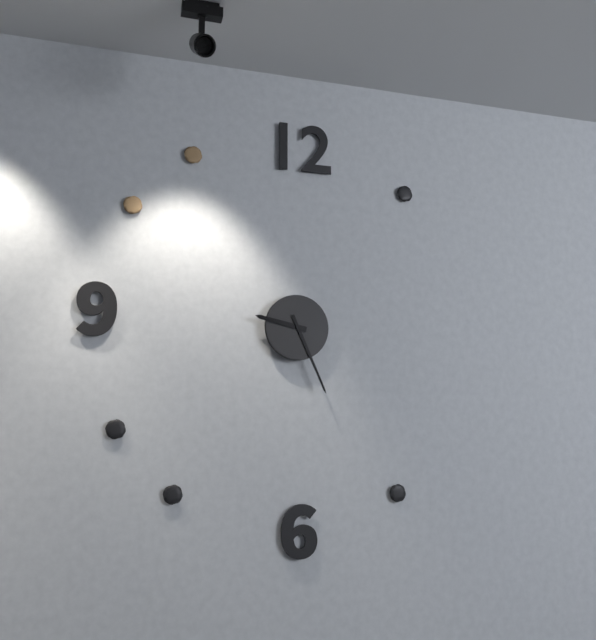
9:26
